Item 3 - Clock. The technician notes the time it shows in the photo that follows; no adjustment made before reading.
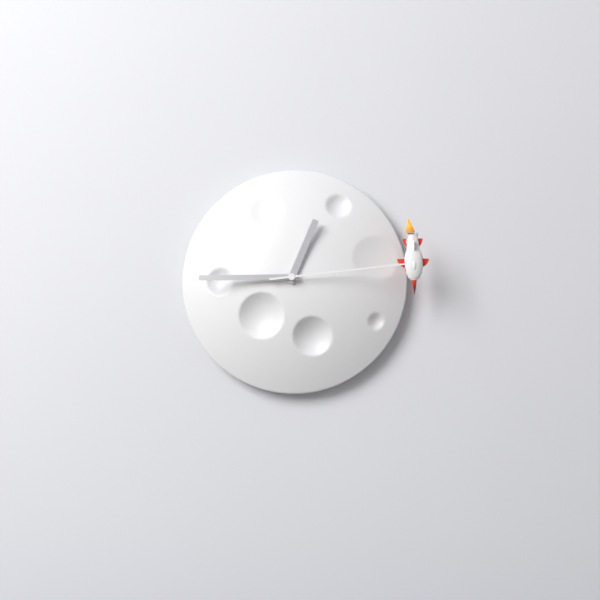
12:45:14
